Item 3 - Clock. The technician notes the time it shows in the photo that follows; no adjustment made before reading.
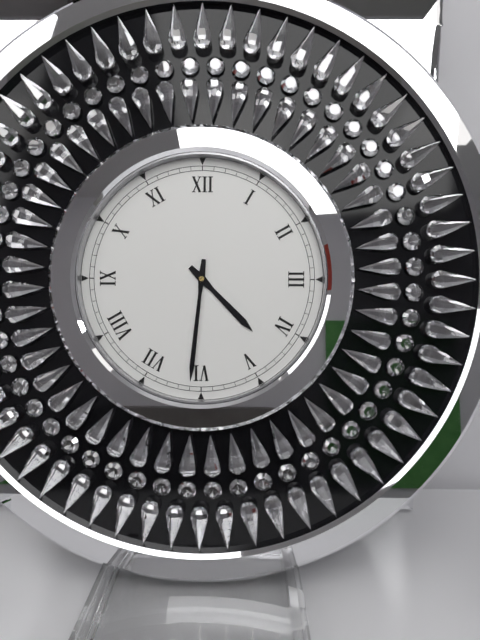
4:31
